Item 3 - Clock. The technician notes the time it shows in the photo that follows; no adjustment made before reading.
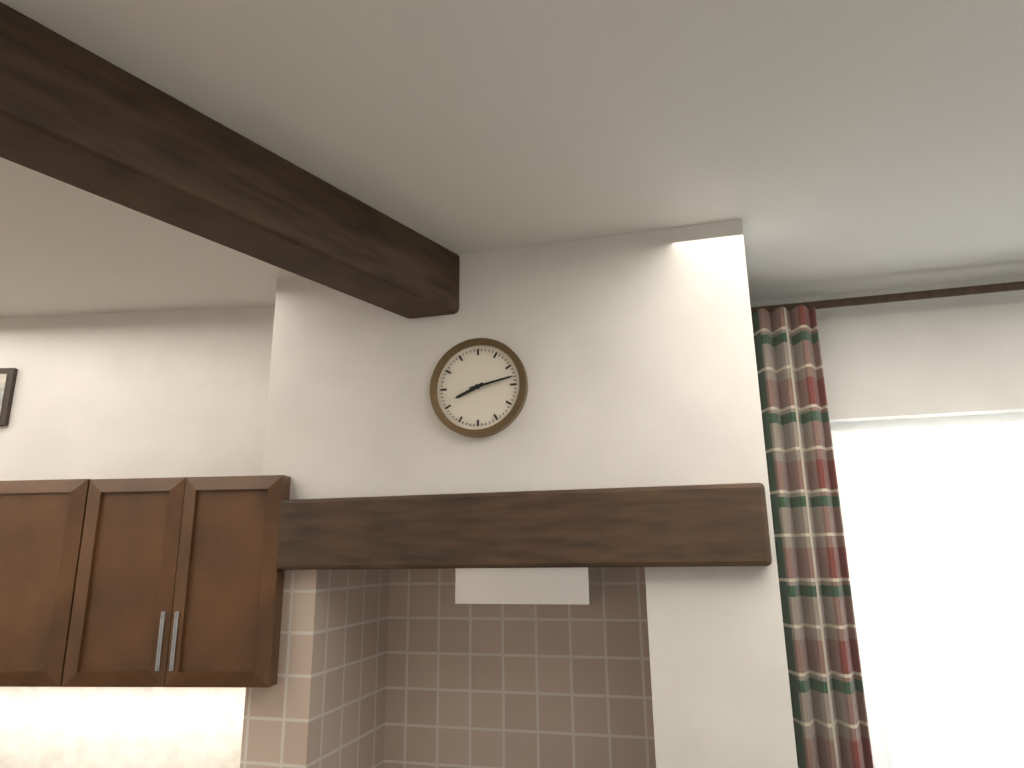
8:13
